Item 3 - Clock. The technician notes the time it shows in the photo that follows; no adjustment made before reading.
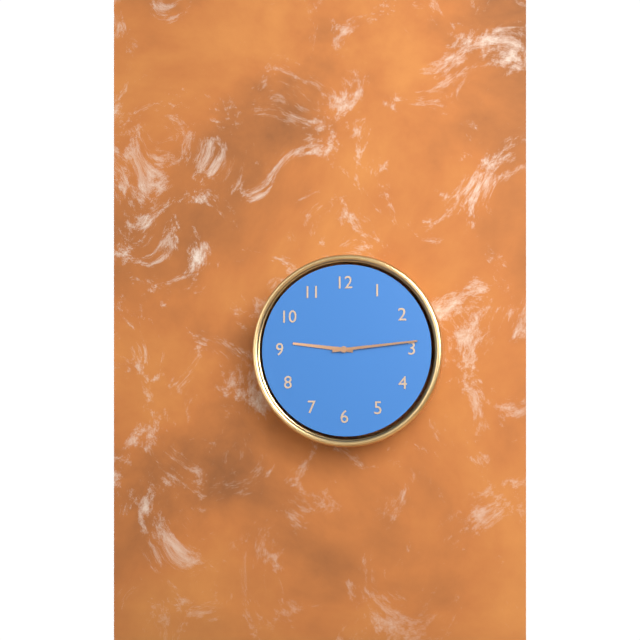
9:14
